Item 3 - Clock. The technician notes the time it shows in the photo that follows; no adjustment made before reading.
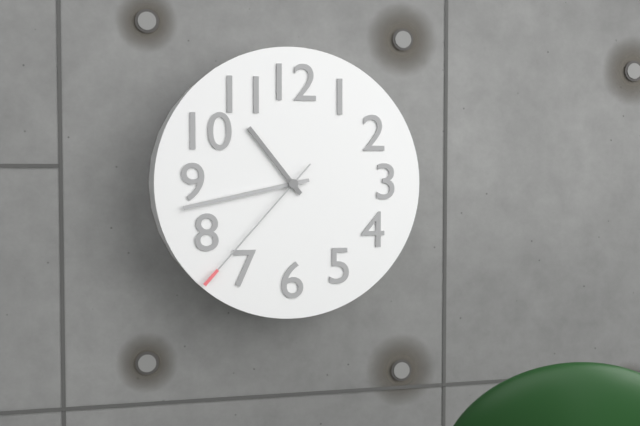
10:43:37
